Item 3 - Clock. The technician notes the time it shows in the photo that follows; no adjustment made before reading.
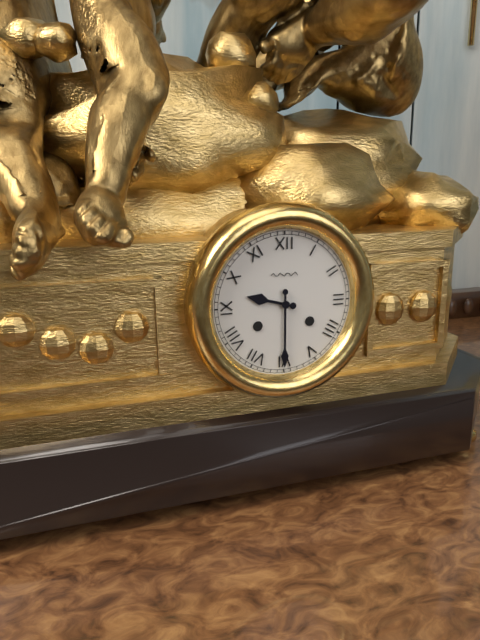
9:30
